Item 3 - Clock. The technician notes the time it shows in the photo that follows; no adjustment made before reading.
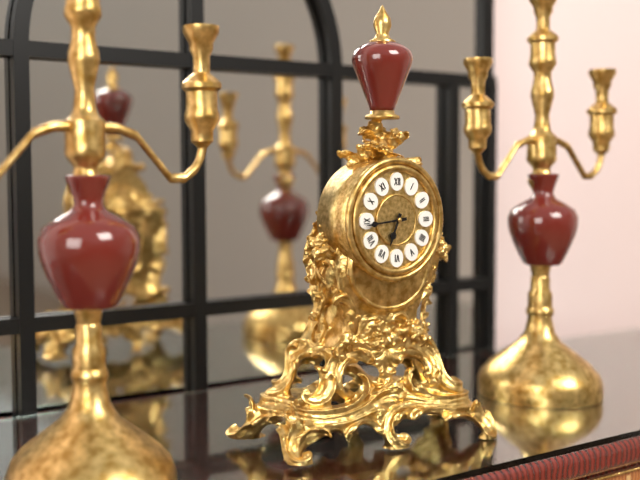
6:44
